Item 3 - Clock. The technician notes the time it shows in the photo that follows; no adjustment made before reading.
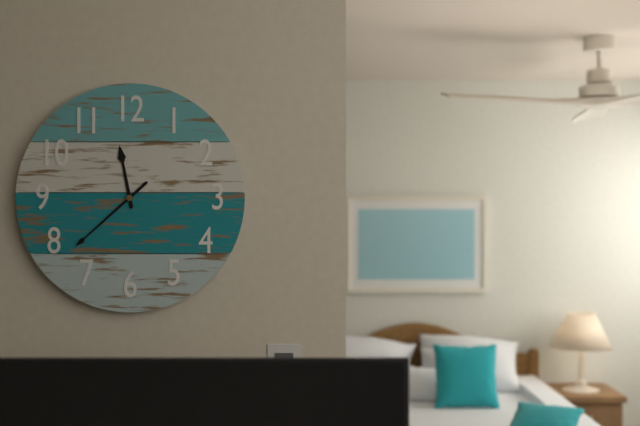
11:38
